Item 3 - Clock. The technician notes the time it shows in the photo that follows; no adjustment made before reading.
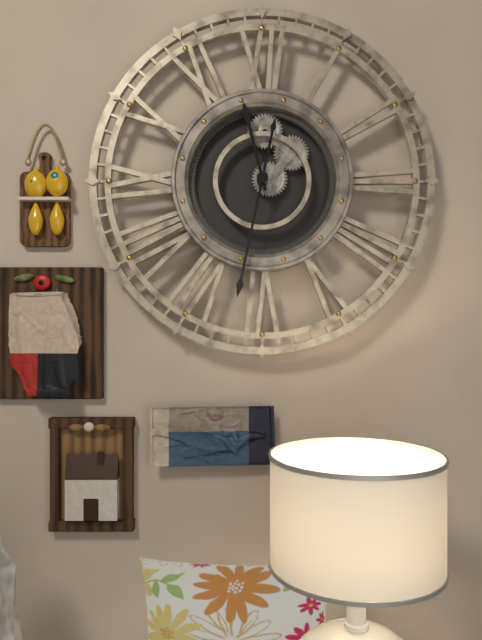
11:32
